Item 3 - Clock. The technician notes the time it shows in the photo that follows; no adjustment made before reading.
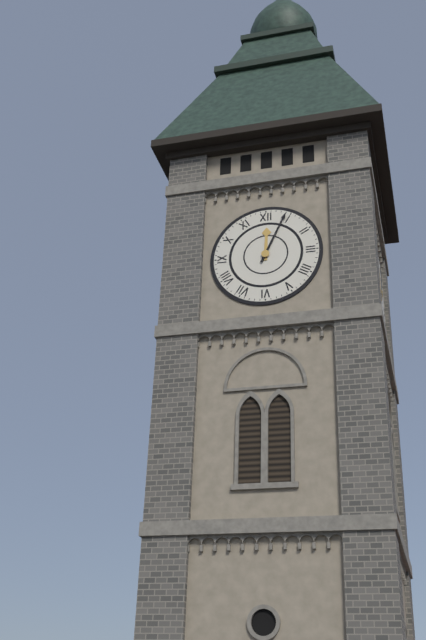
12:04
